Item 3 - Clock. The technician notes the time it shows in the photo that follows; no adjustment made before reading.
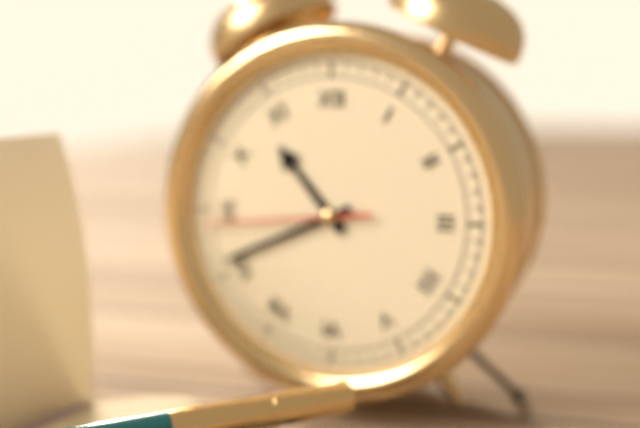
10:41:44
